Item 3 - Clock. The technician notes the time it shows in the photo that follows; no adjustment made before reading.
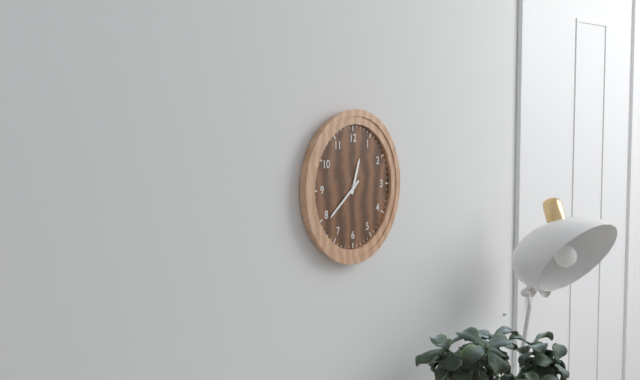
12:39
